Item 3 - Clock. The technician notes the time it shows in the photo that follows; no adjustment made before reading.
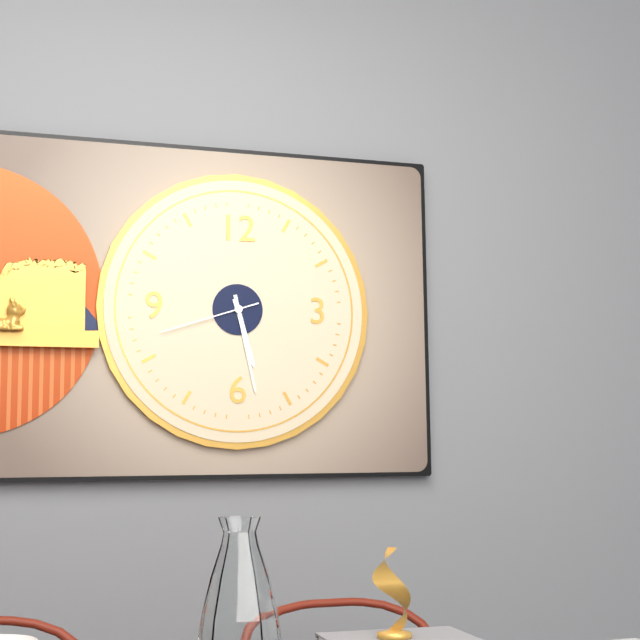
5:28:42
